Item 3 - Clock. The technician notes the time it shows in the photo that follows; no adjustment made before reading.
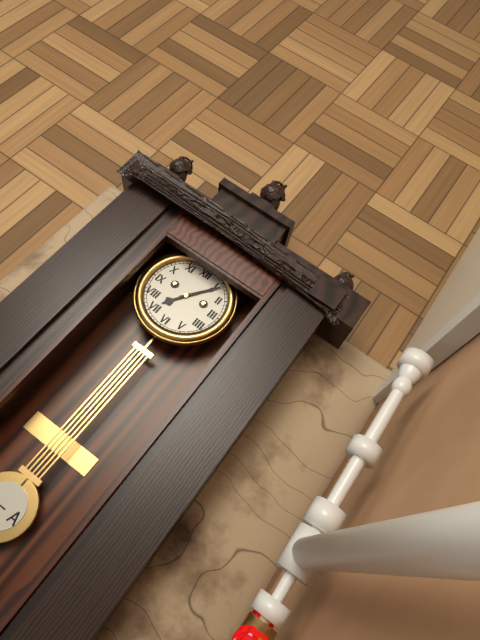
7:06
